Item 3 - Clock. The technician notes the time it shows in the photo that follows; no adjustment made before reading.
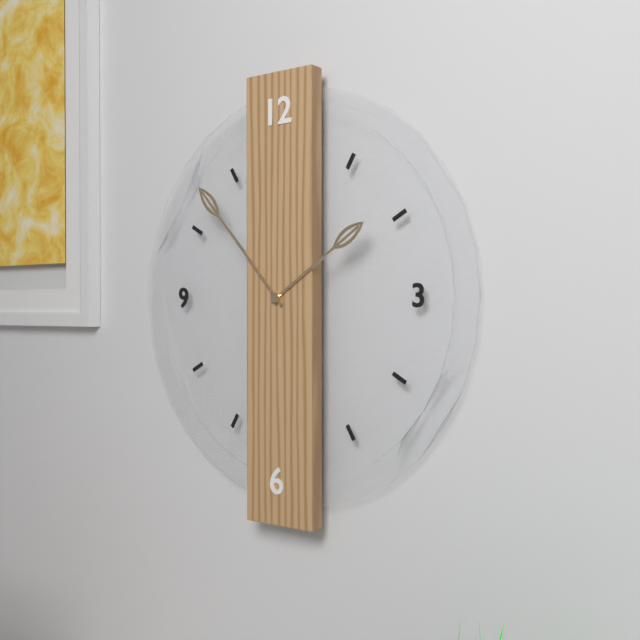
1:53
